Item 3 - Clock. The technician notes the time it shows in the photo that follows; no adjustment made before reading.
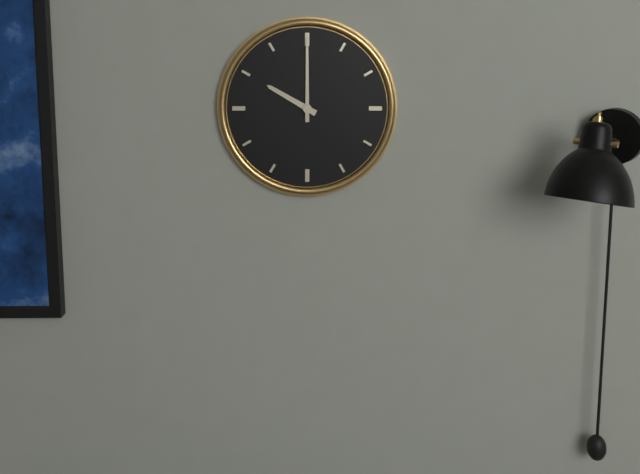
10:00
